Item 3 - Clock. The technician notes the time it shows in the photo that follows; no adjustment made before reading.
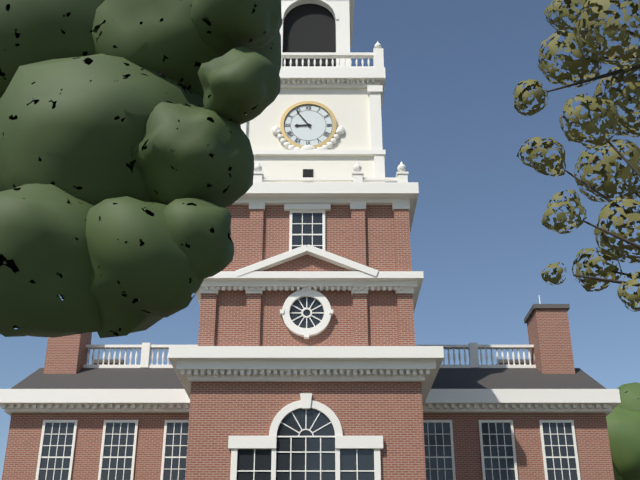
8:54
